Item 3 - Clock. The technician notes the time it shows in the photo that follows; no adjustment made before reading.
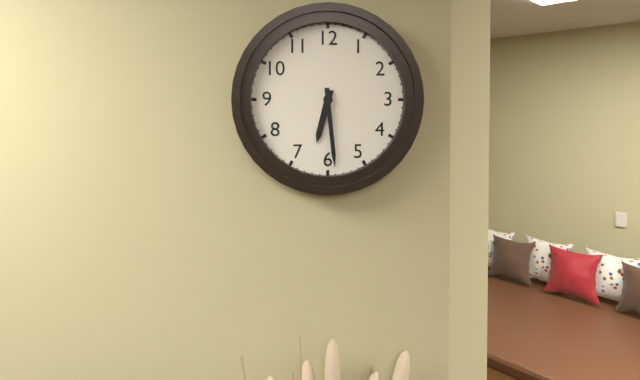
6:29
